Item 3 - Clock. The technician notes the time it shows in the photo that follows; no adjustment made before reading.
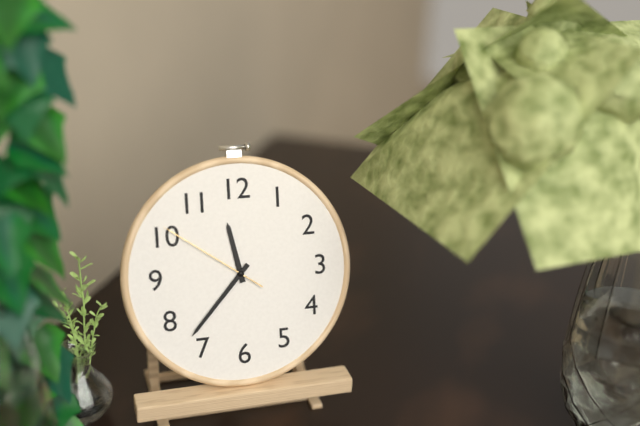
11:37:51
